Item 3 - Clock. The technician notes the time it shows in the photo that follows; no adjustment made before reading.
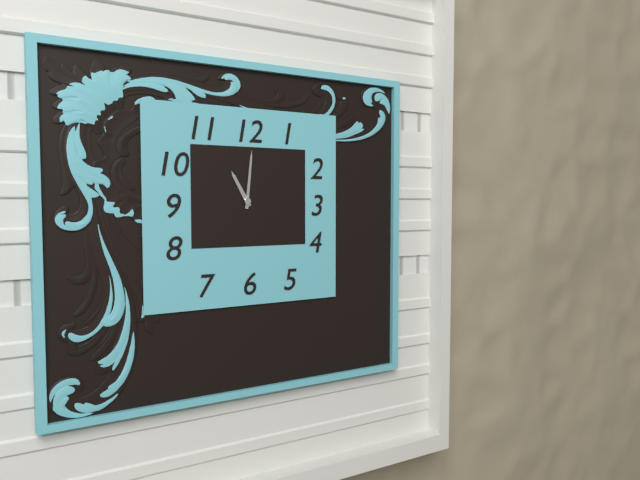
11:01
